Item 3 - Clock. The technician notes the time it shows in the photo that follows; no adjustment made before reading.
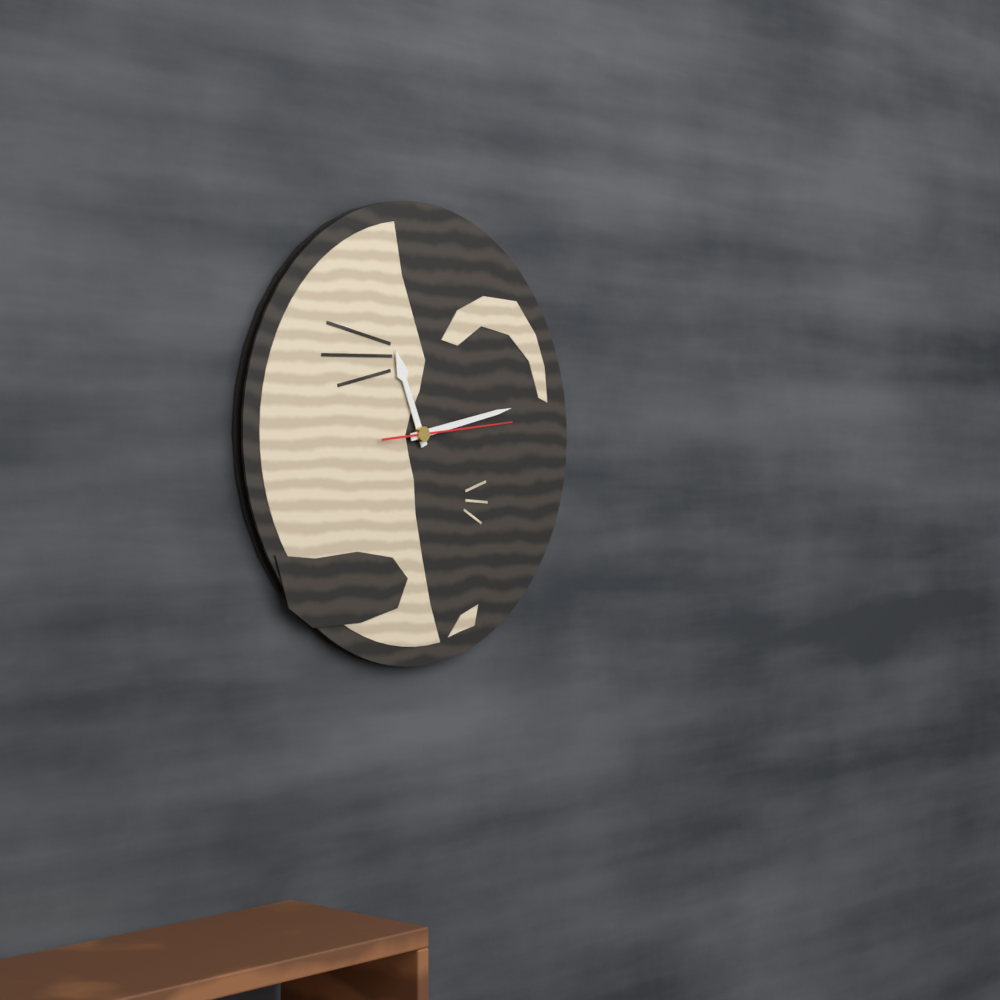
11:13:14
